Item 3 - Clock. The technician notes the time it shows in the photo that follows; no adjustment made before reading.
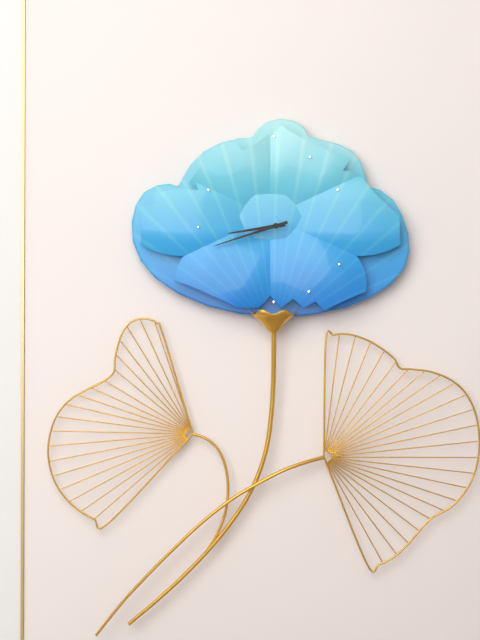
8:42
